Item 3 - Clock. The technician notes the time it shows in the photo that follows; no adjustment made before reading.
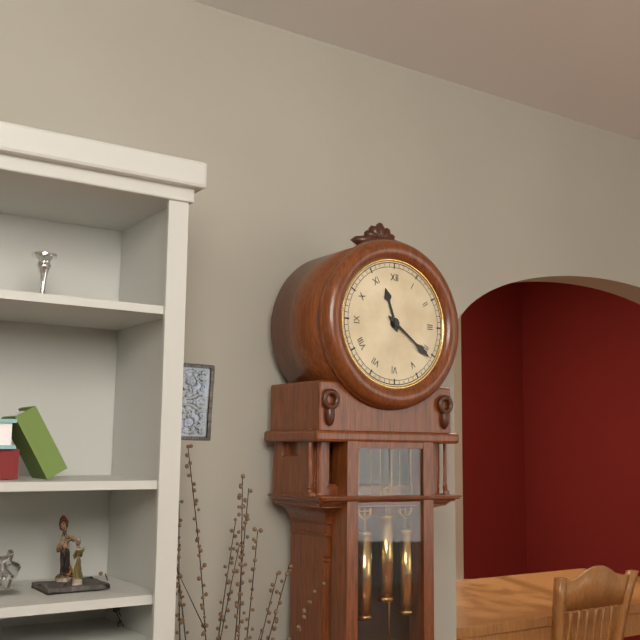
11:21
